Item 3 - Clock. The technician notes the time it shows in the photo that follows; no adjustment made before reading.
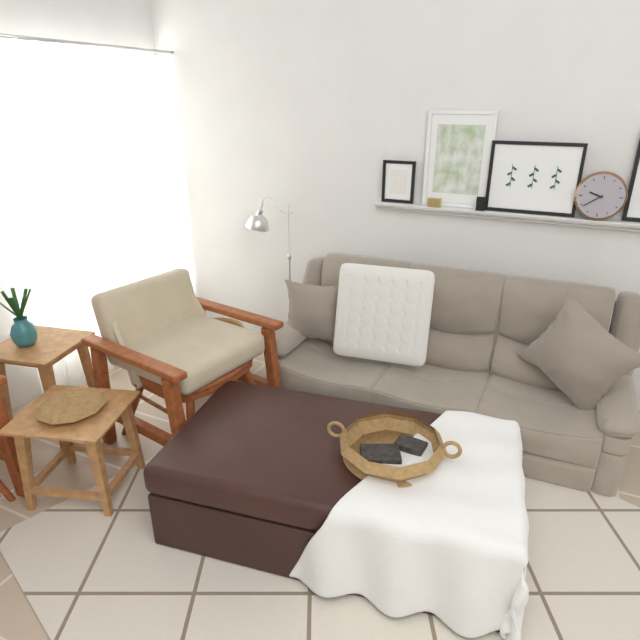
9:39
